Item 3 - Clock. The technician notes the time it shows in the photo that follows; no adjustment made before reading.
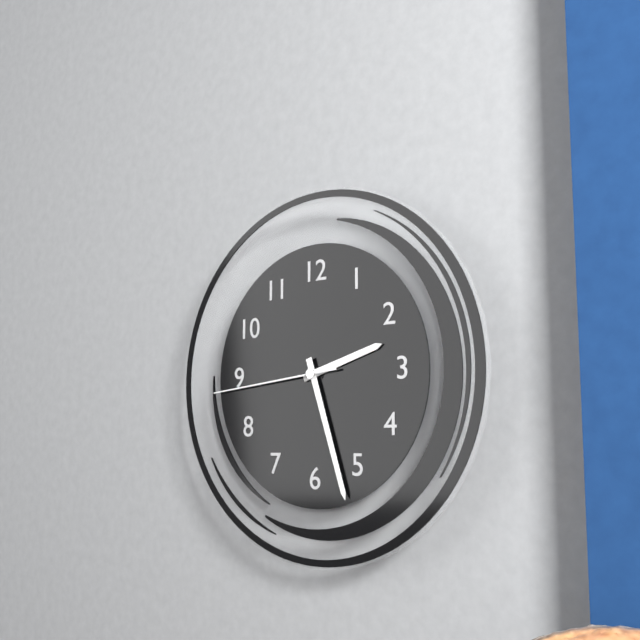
2:27:44
